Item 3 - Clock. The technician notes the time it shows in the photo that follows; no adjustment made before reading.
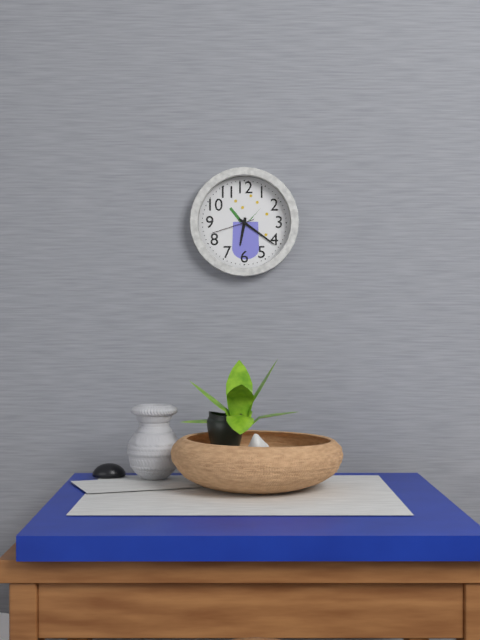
6:21
